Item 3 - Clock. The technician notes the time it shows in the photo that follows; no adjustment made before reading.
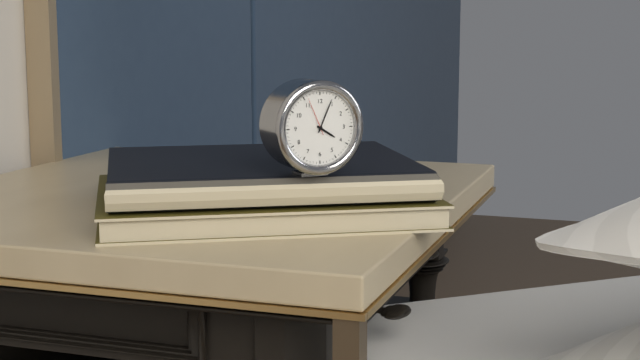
4:04
